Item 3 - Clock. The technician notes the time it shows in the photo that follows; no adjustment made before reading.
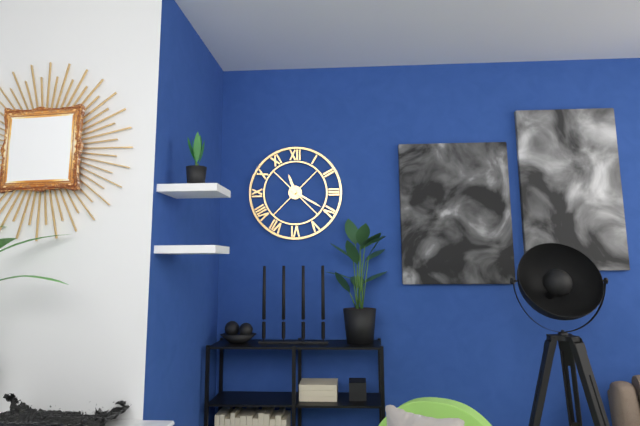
11:20
